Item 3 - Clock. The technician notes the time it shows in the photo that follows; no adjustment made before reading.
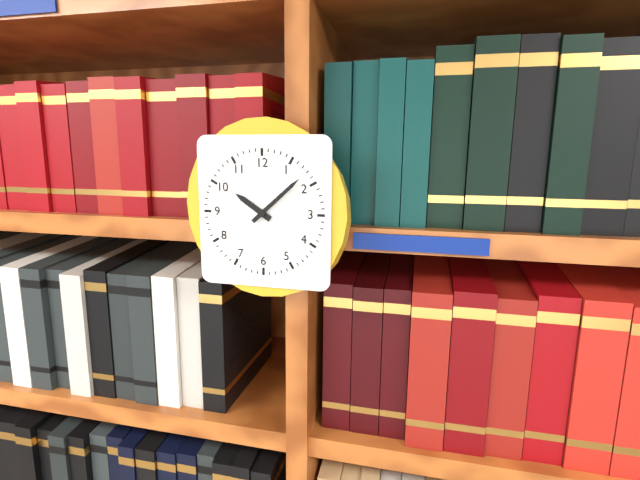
10:08
